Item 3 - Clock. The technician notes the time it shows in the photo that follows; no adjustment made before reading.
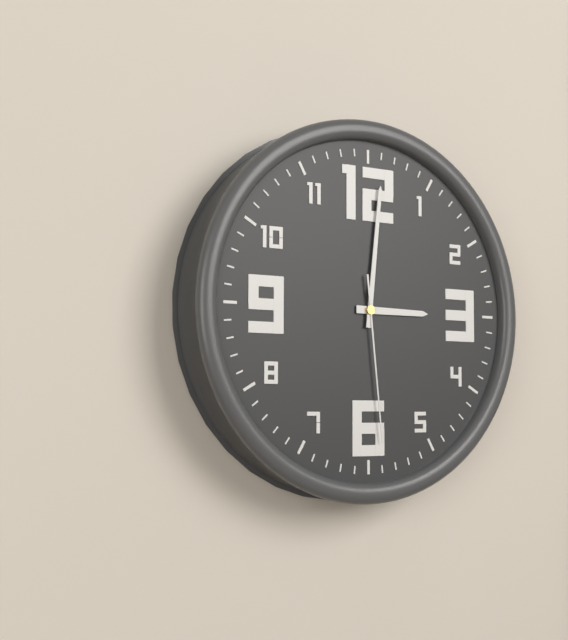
3:01:29
